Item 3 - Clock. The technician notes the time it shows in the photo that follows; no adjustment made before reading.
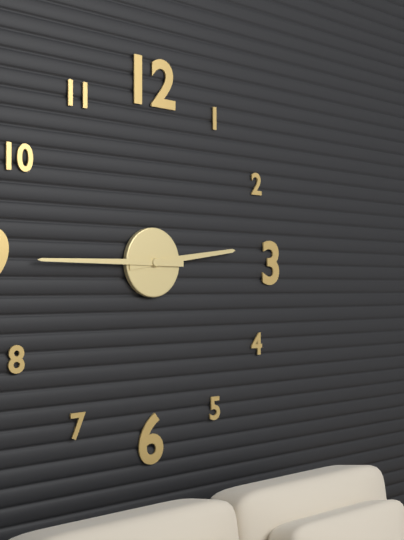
2:45
